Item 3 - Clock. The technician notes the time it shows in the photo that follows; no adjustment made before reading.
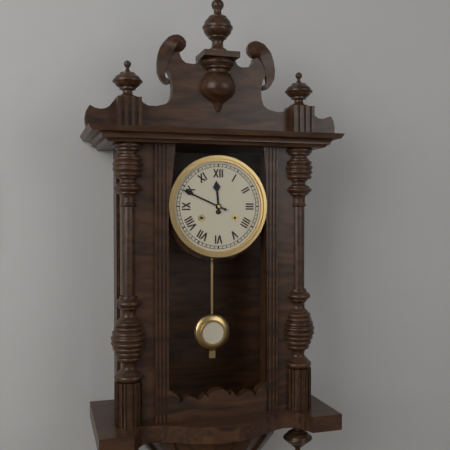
11:49
